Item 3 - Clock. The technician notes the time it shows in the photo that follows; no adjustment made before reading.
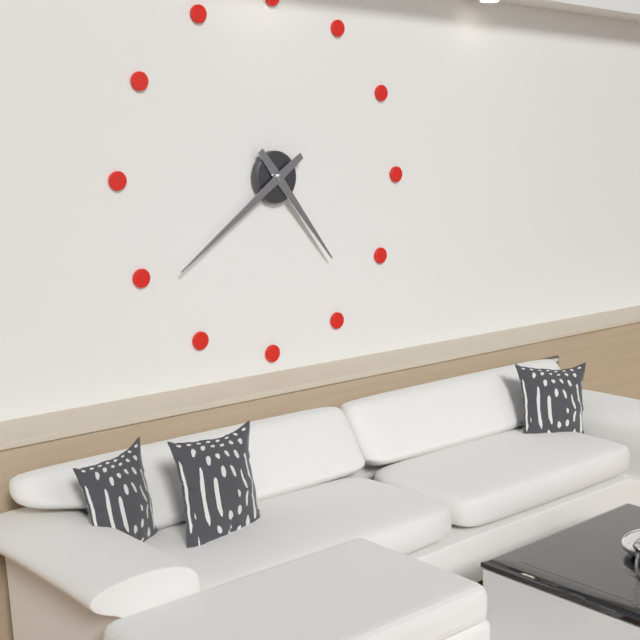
4:39
